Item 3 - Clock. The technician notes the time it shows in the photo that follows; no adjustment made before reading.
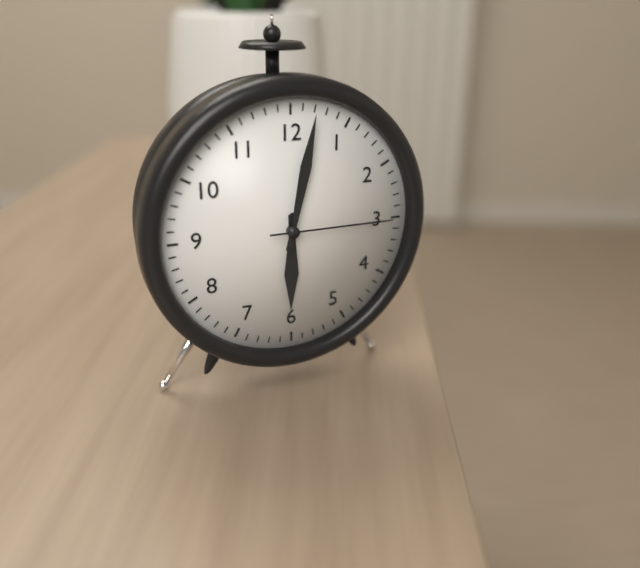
6:02:15
